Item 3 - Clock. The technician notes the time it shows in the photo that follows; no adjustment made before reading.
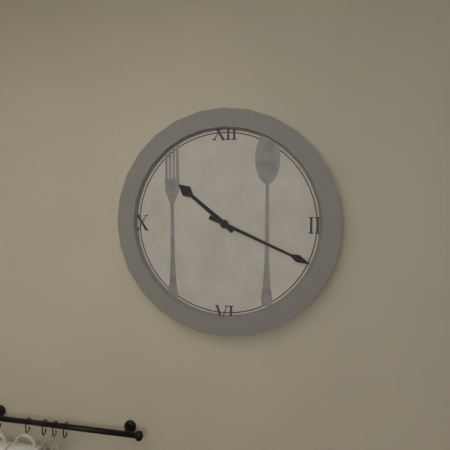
10:19
